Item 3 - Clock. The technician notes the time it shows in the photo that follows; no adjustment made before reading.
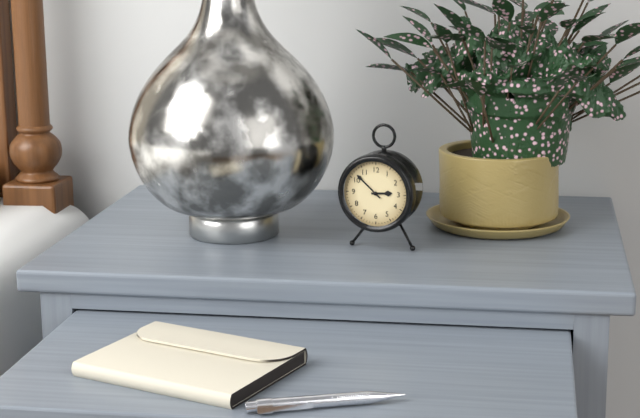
2:52
